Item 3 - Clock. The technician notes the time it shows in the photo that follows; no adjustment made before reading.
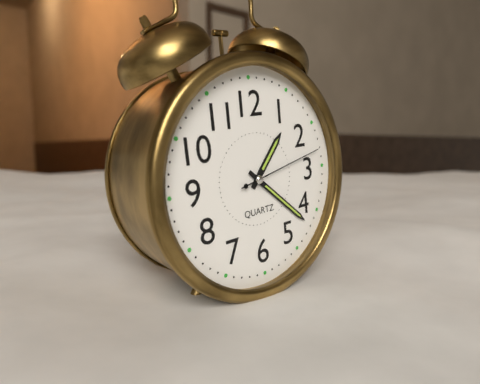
1:22:13
